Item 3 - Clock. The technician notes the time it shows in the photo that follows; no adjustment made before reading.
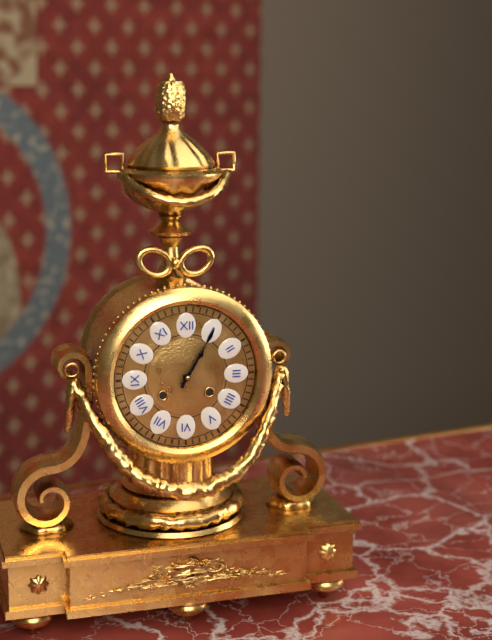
1:05
